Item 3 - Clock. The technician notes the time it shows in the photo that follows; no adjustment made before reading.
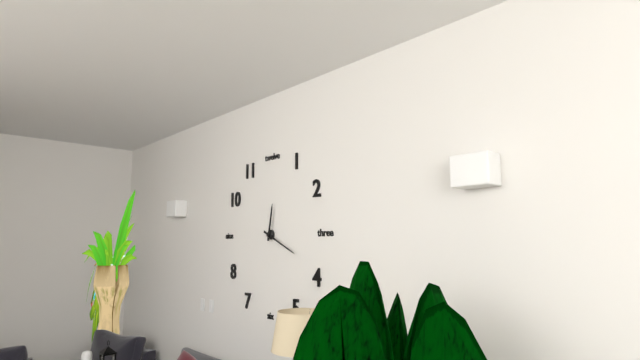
12:19
